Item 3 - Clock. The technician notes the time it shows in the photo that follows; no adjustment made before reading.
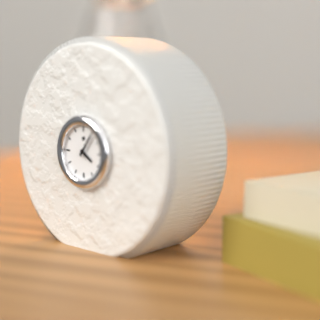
4:06
